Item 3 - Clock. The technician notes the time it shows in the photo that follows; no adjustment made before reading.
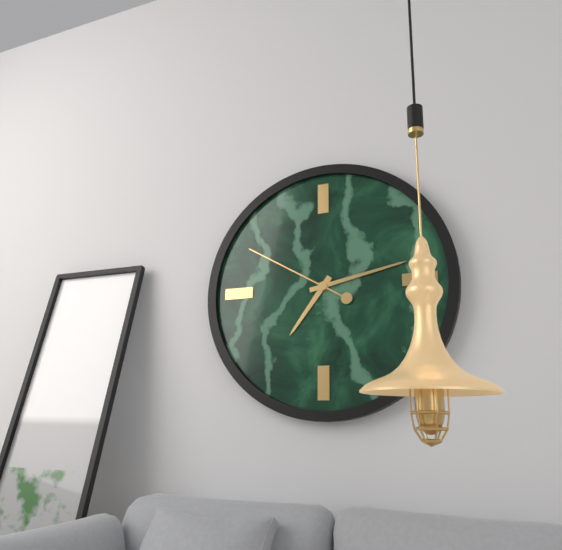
7:13:50
